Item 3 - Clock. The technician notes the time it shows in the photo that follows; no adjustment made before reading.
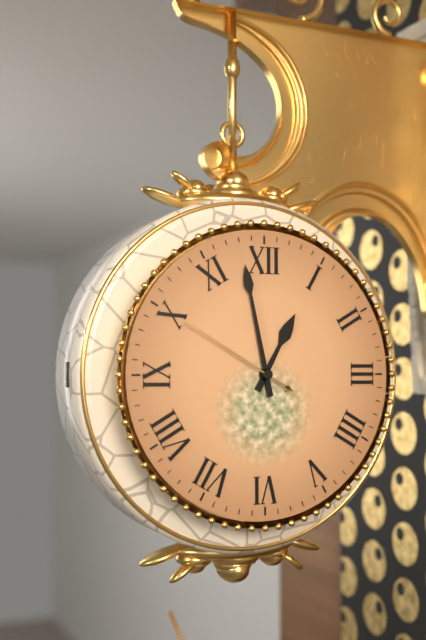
12:58:50
